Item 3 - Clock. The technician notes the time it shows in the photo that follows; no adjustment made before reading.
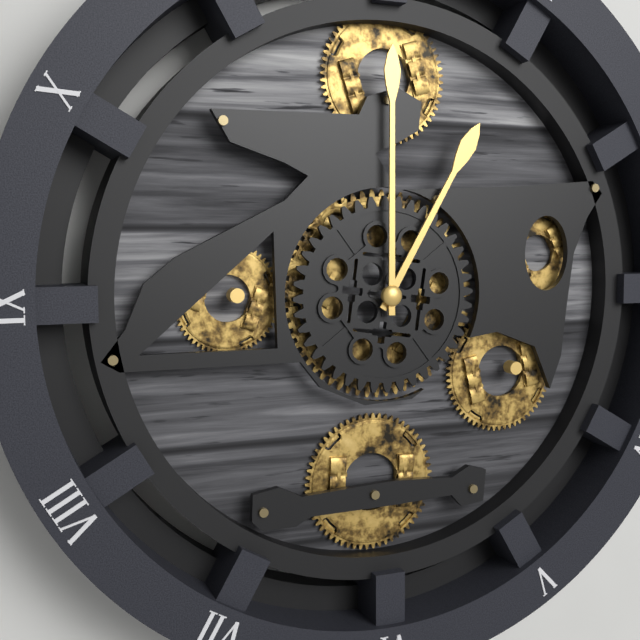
1:00
